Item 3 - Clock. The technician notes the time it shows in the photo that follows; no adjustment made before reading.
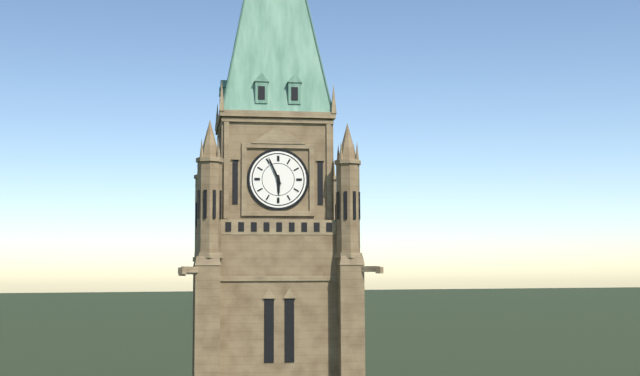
5:56
